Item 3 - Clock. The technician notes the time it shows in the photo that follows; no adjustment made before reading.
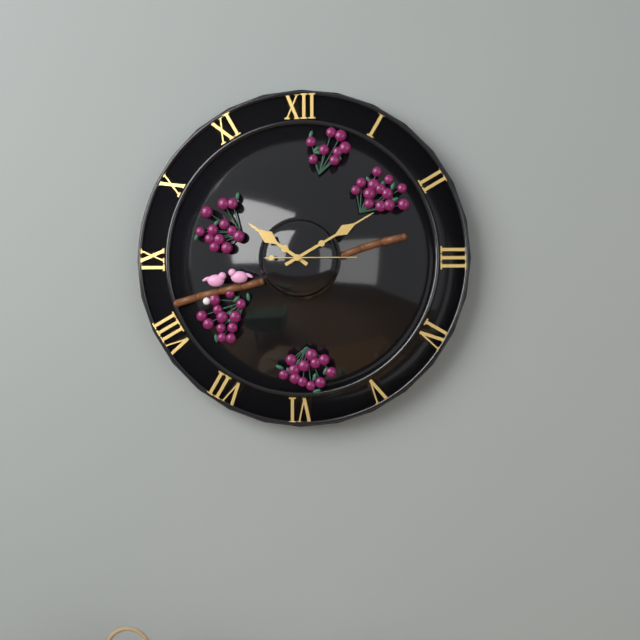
10:10:15
